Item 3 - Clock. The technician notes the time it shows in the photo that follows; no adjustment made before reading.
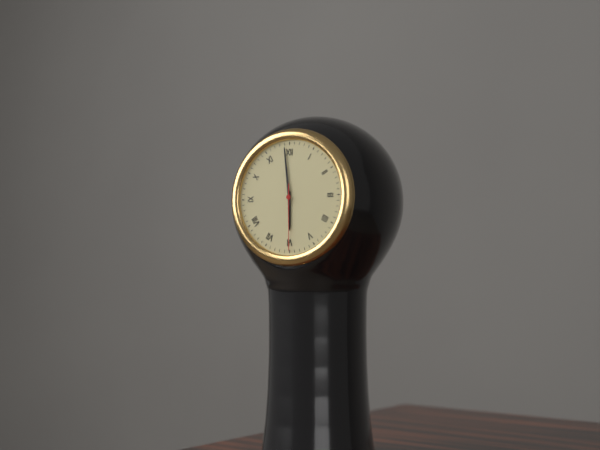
5:59:30
